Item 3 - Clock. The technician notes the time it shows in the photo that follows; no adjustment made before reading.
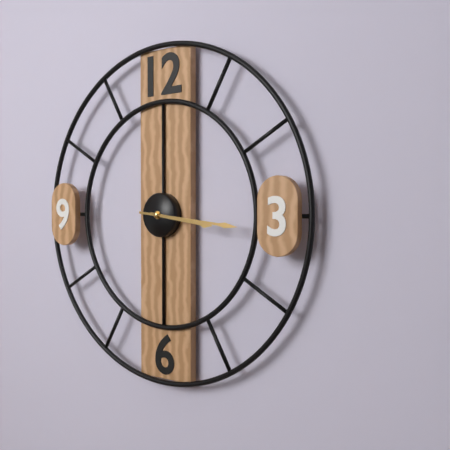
3:16
